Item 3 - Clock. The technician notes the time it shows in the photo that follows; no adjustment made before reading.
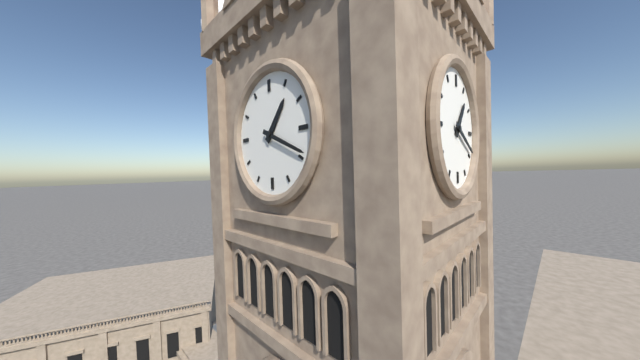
1:19
